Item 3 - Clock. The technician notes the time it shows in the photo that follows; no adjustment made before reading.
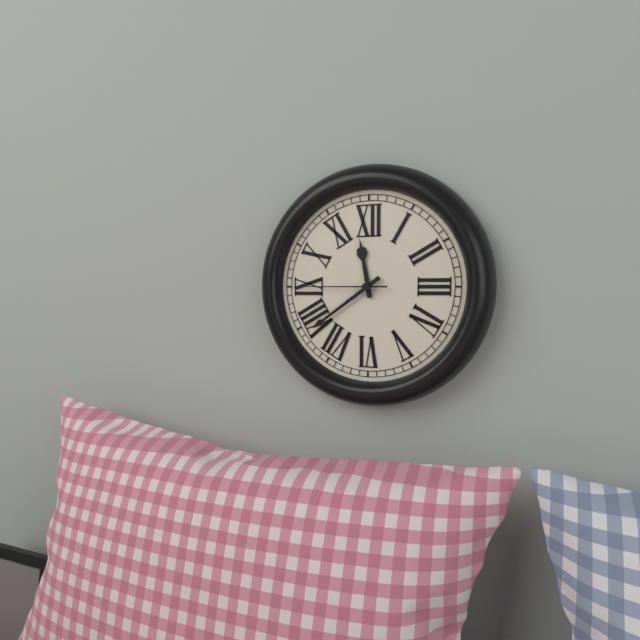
11:39:45
